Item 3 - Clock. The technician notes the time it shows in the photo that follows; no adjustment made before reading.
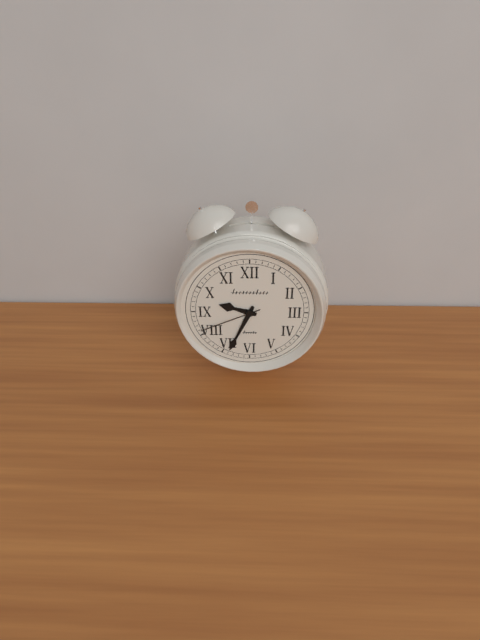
9:34:41
